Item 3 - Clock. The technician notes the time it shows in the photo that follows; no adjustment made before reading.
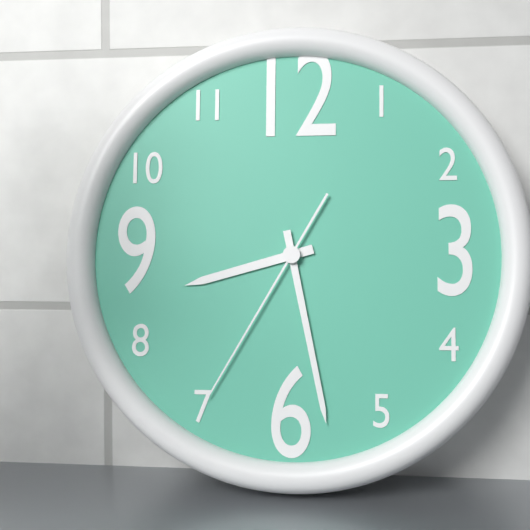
8:28:35
